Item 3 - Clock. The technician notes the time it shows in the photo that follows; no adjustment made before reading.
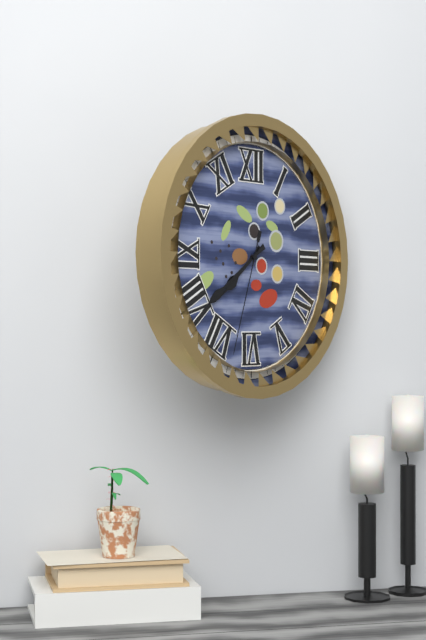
7:39:33
